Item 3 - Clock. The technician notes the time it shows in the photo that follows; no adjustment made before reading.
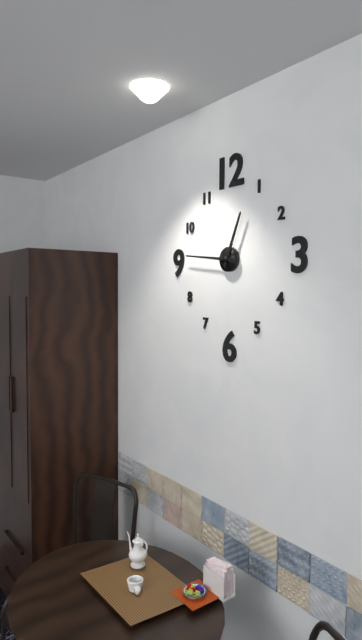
12:46
